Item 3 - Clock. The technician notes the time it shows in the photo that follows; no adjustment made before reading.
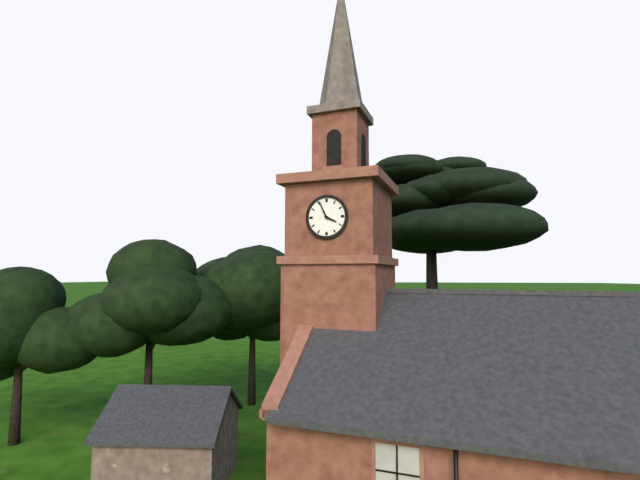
3:56
